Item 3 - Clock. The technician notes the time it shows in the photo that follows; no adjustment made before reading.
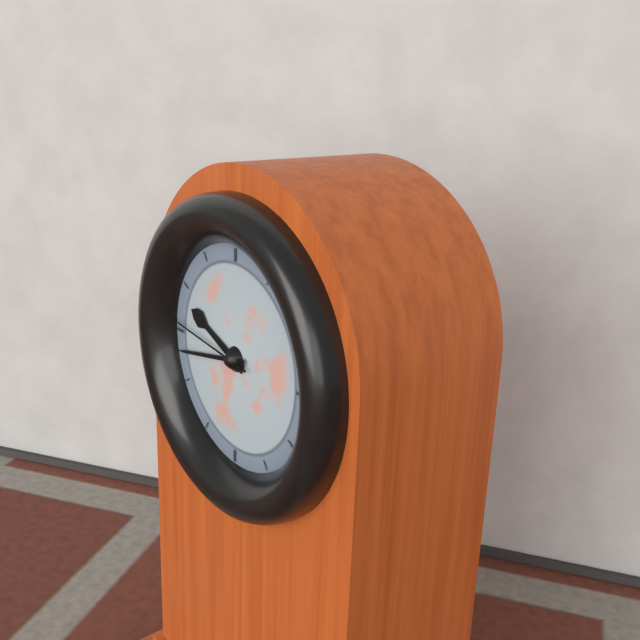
9:43:46
